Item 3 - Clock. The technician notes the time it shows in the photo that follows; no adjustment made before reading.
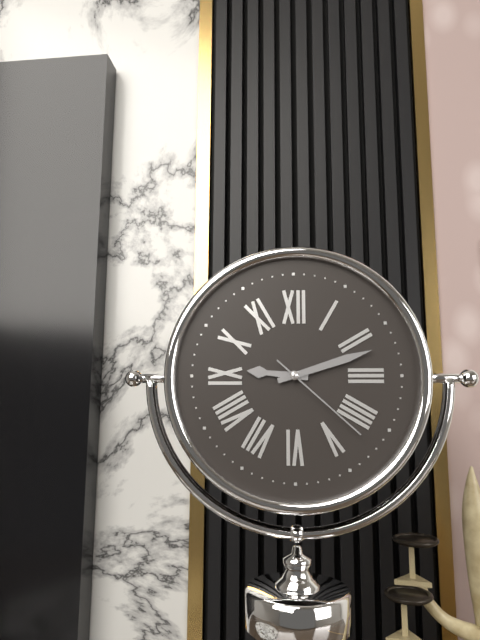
9:12:22
